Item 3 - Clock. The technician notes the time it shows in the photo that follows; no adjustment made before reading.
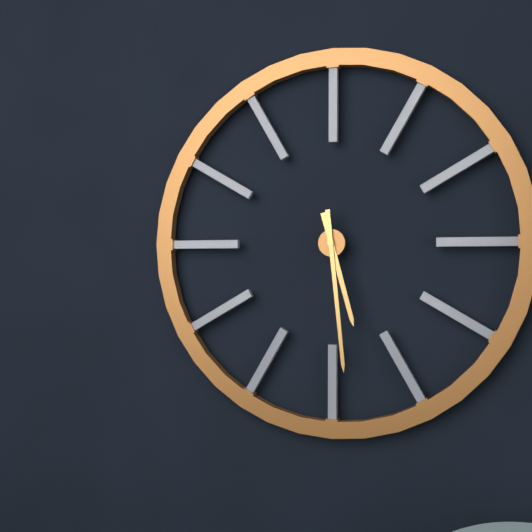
5:29
